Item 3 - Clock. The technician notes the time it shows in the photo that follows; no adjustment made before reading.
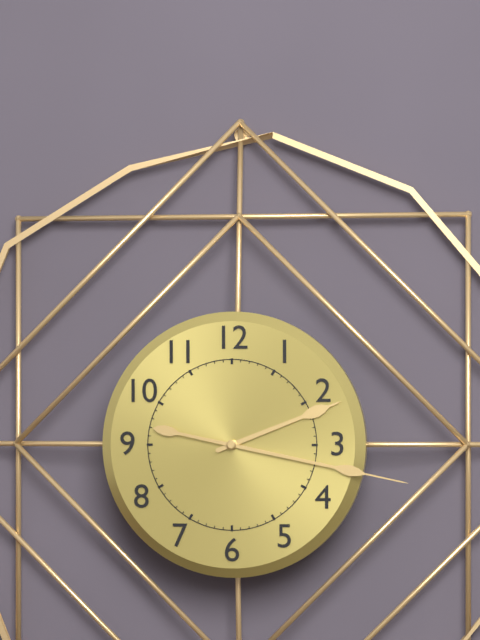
2:17
